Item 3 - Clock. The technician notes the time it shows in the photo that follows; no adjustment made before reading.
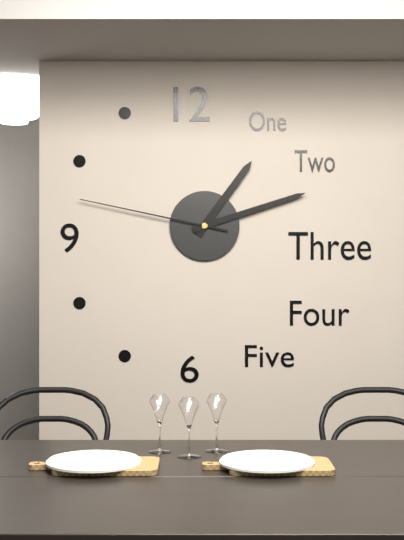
1:12:47
